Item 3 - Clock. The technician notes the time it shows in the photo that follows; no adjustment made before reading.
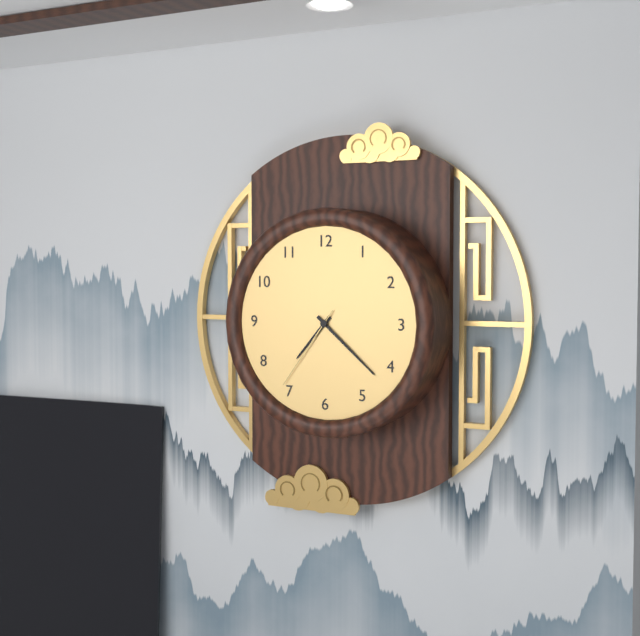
7:22:36
